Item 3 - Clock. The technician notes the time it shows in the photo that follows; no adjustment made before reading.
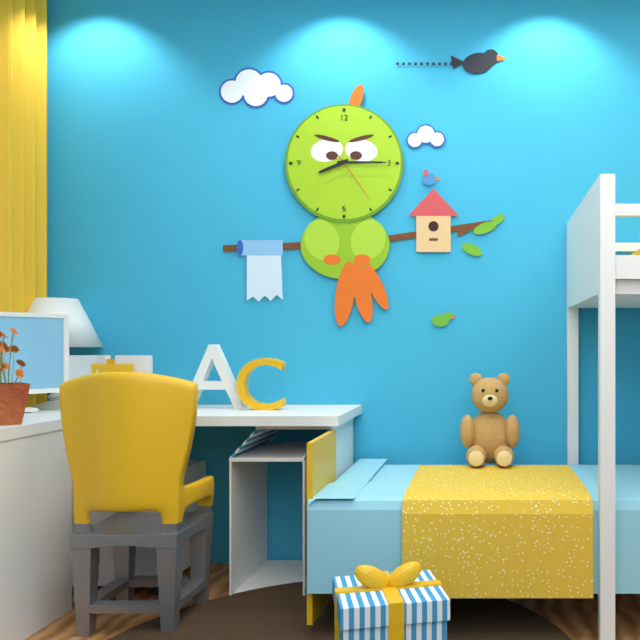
8:15:24
